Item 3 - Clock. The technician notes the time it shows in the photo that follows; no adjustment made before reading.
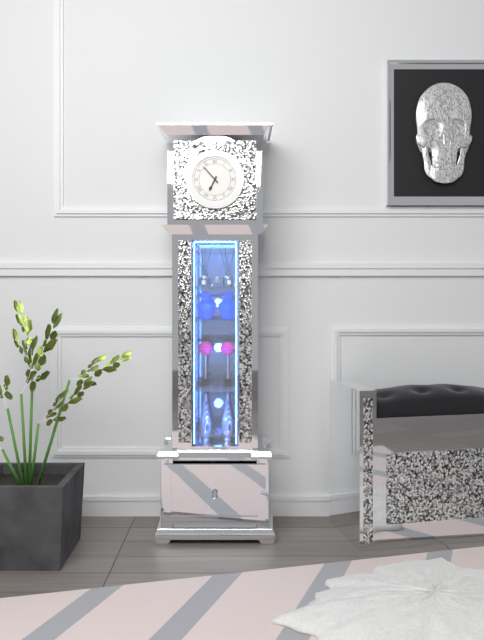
6:53
